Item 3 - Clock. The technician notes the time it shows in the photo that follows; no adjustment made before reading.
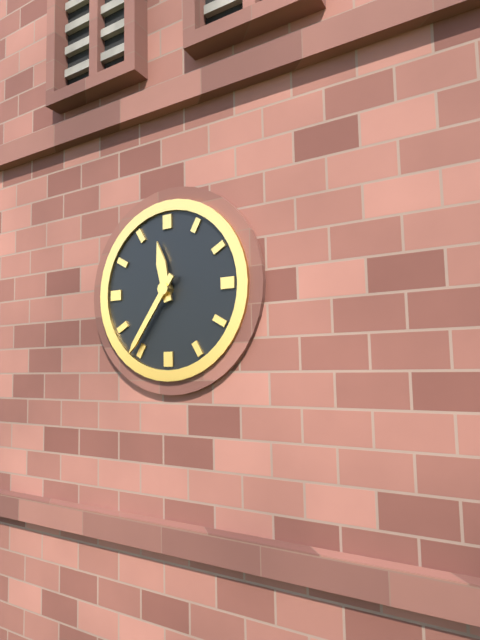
11:36
